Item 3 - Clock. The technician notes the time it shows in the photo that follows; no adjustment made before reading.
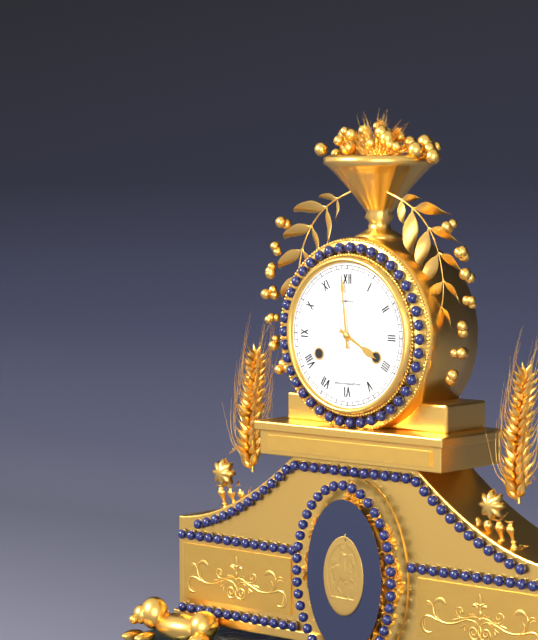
3:59
